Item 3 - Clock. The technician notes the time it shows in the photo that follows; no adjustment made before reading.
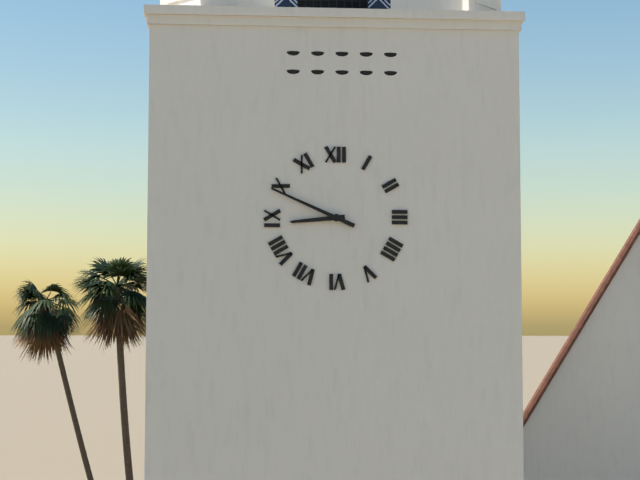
8:49
